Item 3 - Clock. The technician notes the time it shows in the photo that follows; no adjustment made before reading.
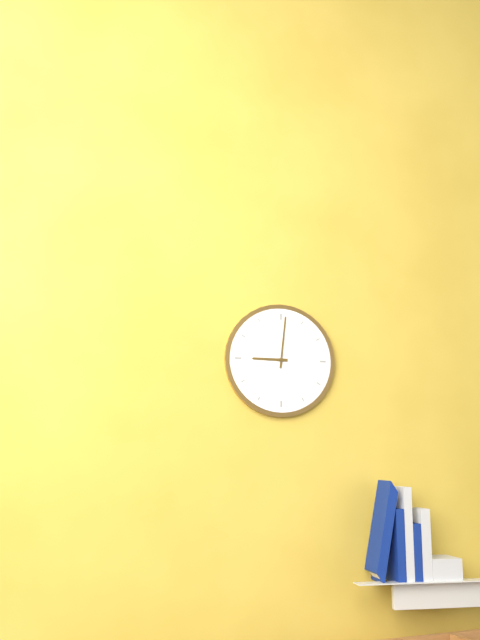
9:01
